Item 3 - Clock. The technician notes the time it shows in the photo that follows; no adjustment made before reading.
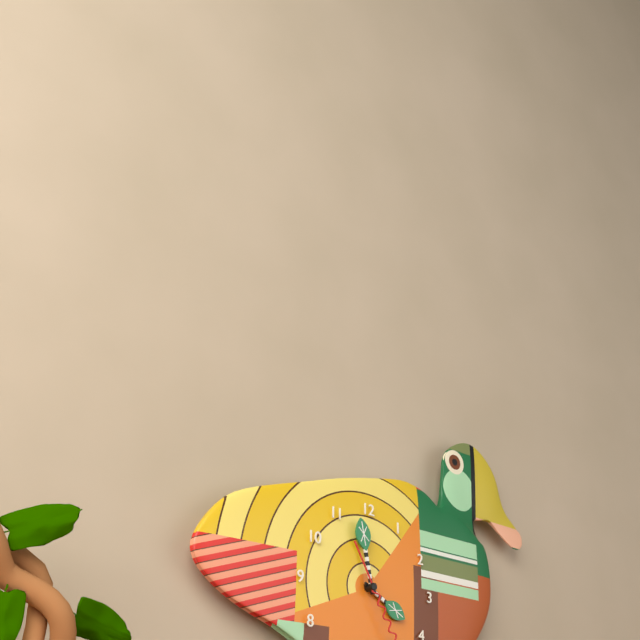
3:58
